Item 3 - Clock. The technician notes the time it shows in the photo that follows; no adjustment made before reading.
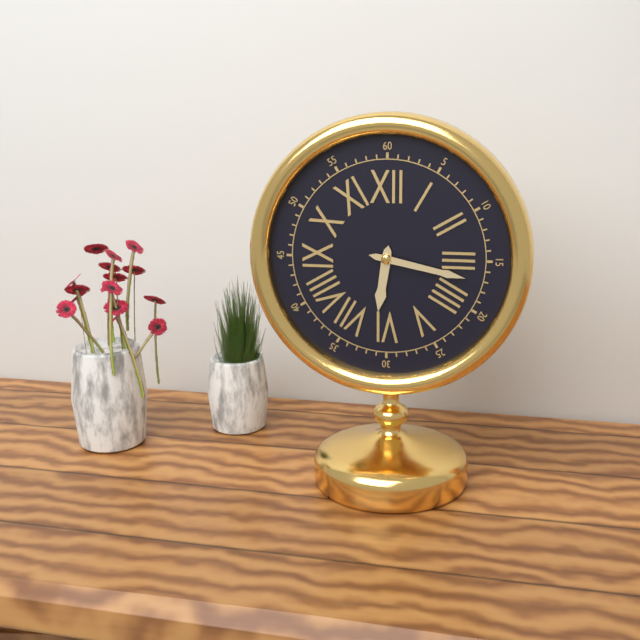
6:17
